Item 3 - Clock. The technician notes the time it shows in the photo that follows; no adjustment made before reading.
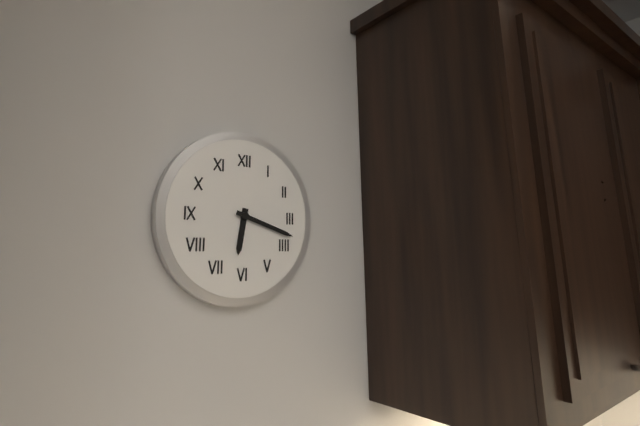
6:18
